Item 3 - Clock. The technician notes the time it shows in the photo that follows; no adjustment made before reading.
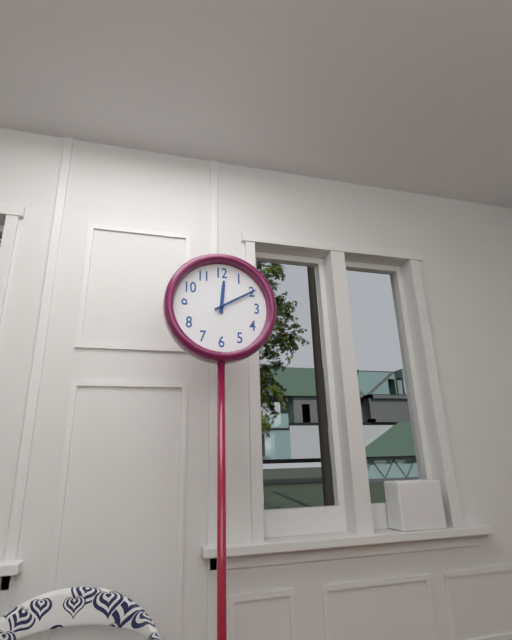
12:10
